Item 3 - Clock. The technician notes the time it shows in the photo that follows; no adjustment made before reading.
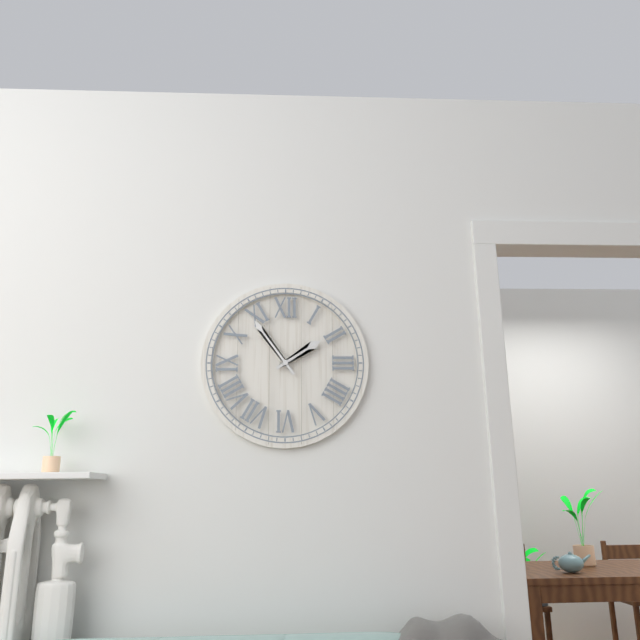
1:54
